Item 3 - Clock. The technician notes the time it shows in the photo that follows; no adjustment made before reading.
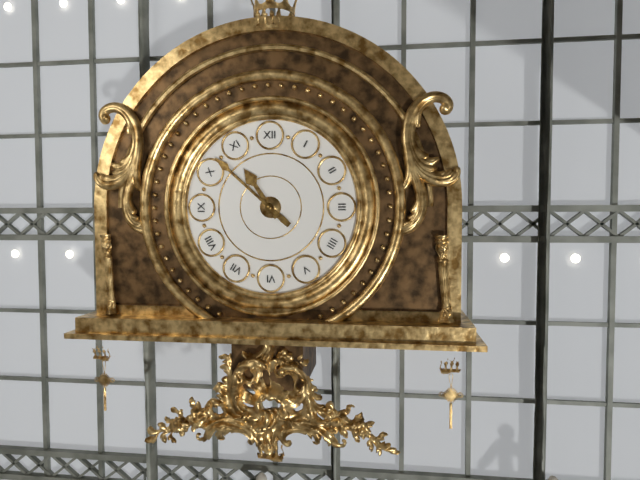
10:52
